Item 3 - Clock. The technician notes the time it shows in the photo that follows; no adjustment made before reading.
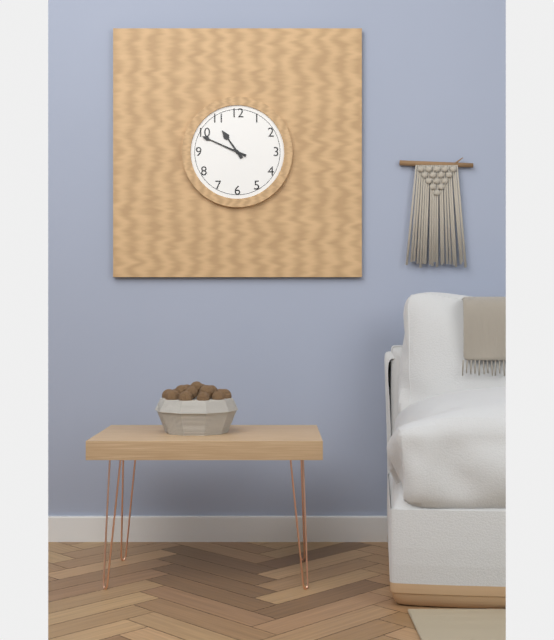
10:49
